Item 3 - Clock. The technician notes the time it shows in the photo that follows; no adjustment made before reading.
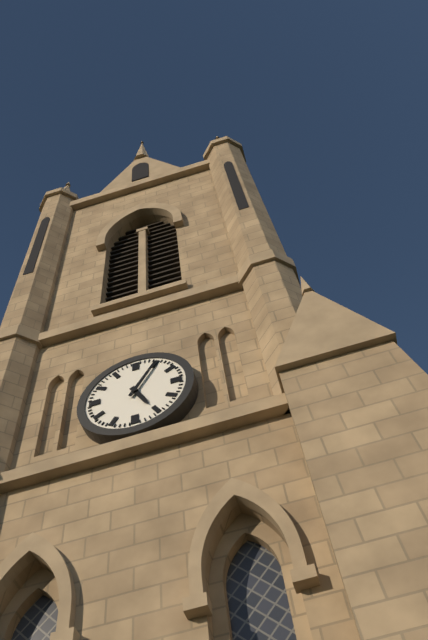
5:05
